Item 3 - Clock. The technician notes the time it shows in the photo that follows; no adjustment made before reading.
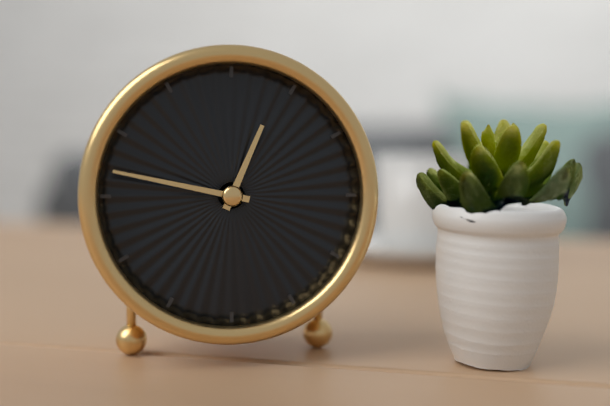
12:47
